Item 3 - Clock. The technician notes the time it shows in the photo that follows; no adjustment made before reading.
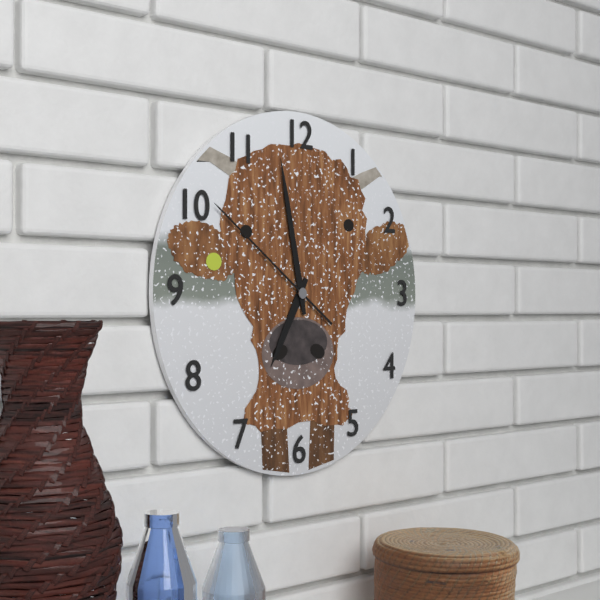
6:58:51
